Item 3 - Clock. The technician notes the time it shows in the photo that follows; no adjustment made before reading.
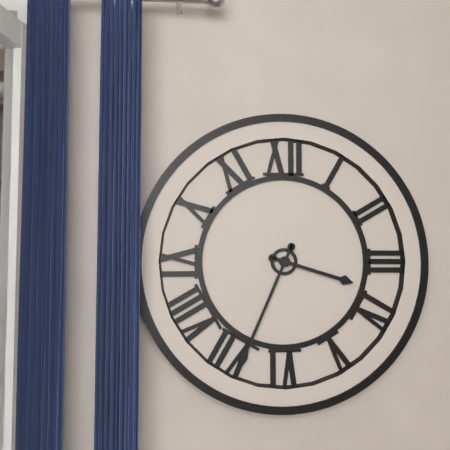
3:34
